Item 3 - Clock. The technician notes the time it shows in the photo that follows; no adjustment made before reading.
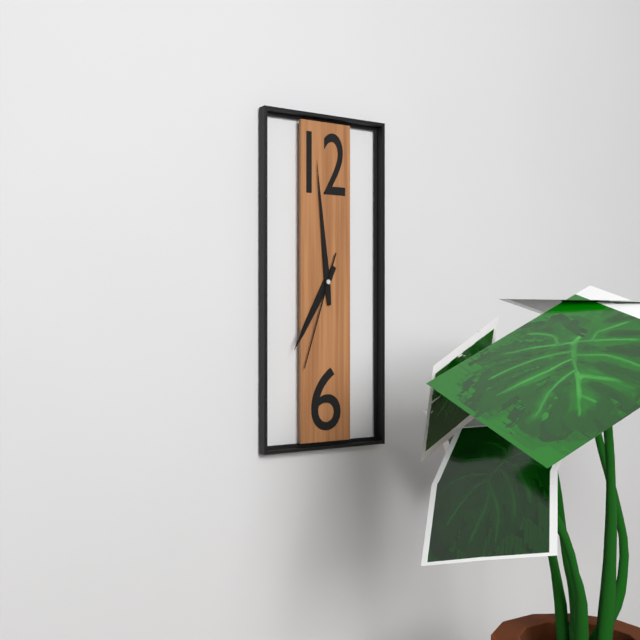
6:59:33
